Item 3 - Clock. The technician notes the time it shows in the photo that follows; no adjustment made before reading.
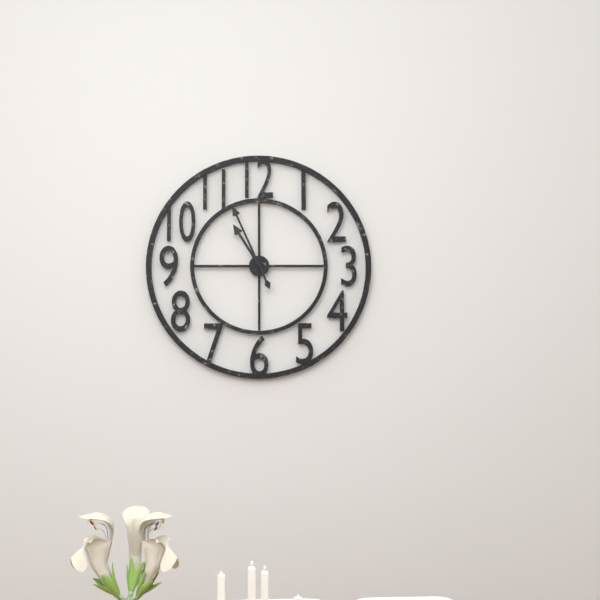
10:56
